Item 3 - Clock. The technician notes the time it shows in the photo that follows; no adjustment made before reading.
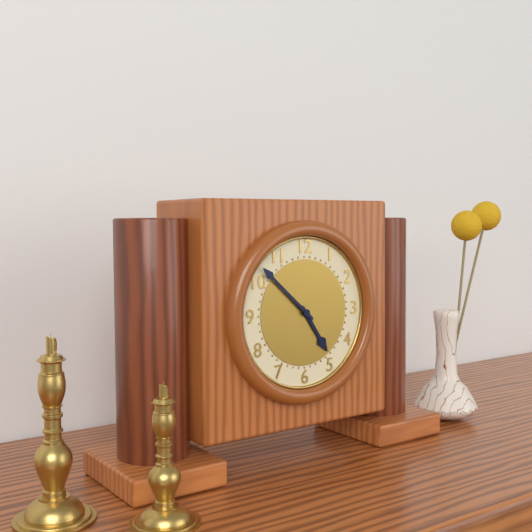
4:52
